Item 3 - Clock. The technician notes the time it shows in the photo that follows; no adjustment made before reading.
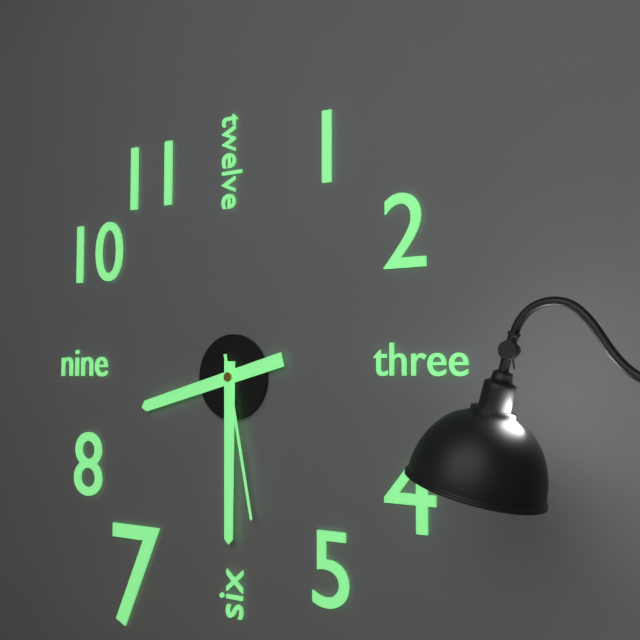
8:30:28
